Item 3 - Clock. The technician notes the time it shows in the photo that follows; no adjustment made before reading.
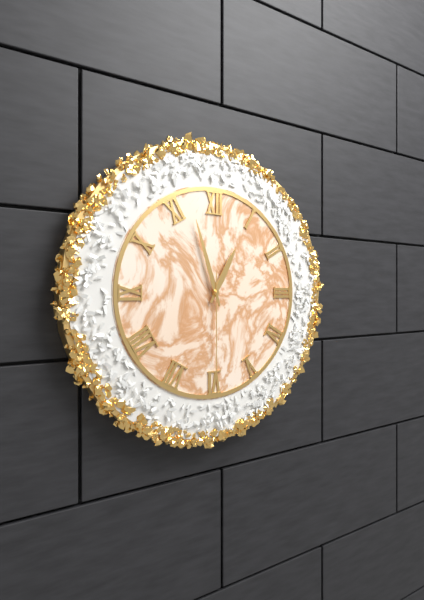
12:57:30
